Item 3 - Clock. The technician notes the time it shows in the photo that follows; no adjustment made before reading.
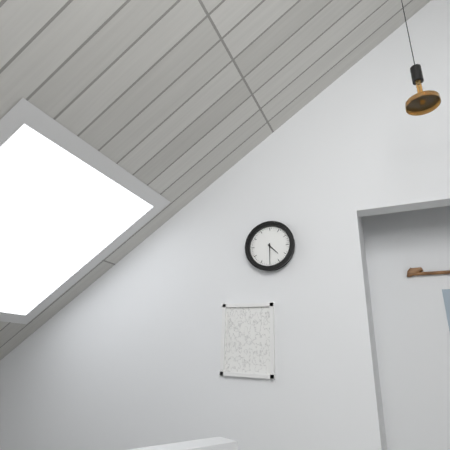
4:30
